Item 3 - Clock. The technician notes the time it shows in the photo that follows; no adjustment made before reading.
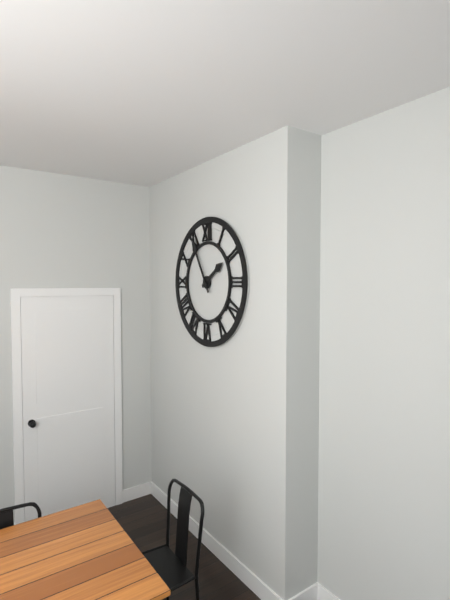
1:55
